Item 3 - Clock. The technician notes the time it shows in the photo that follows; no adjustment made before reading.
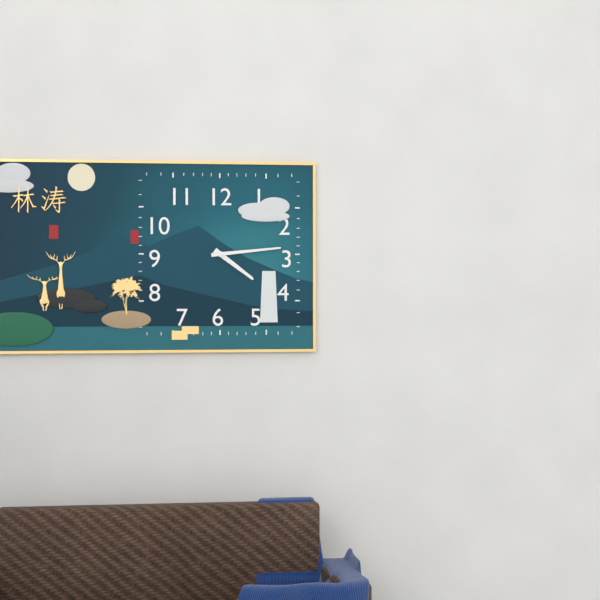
4:14
